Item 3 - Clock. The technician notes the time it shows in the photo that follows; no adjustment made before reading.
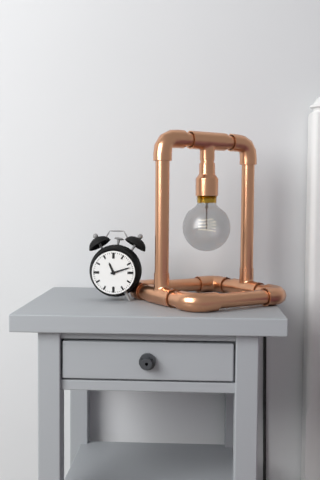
11:12
